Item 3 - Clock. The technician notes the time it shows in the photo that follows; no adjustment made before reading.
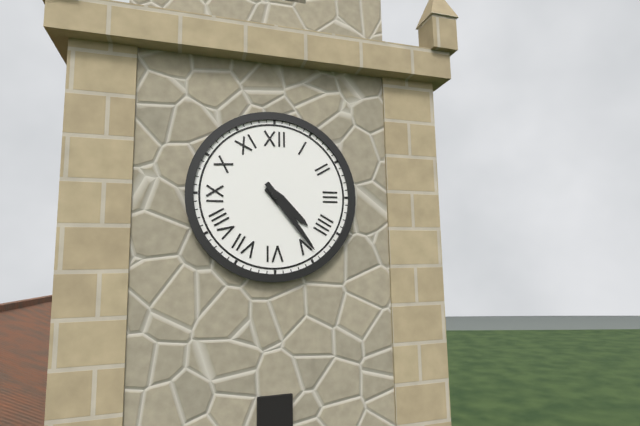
4:24
